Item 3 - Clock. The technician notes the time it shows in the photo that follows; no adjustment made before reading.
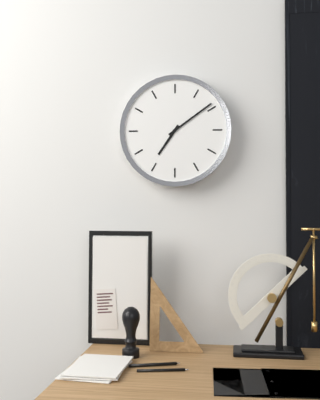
7:09
